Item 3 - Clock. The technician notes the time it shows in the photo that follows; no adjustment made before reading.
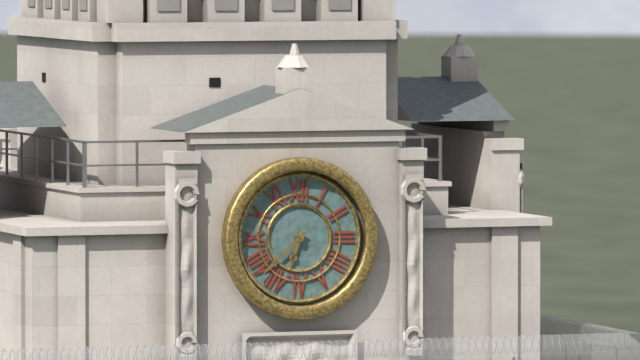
6:38
